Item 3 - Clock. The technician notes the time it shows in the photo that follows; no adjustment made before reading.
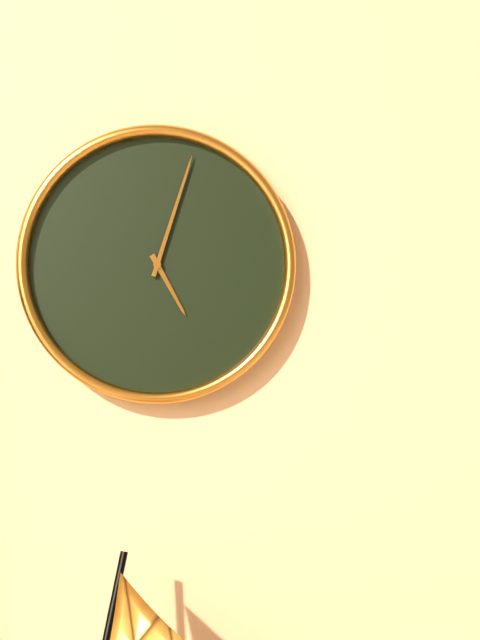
5:03
